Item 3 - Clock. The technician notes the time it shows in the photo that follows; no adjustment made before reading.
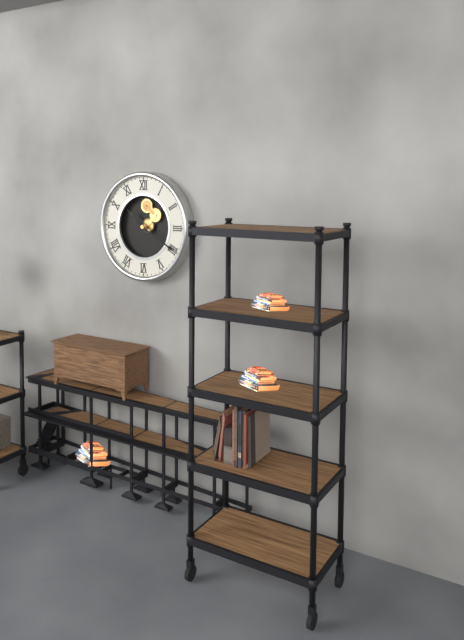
10:20
